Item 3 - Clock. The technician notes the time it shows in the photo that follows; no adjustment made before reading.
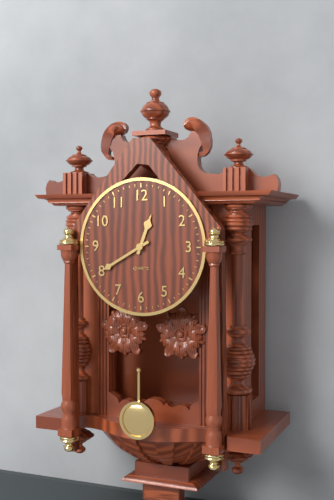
12:40
